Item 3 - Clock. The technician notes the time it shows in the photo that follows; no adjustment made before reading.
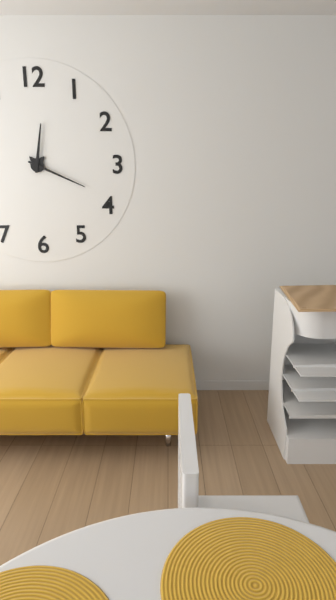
12:19
